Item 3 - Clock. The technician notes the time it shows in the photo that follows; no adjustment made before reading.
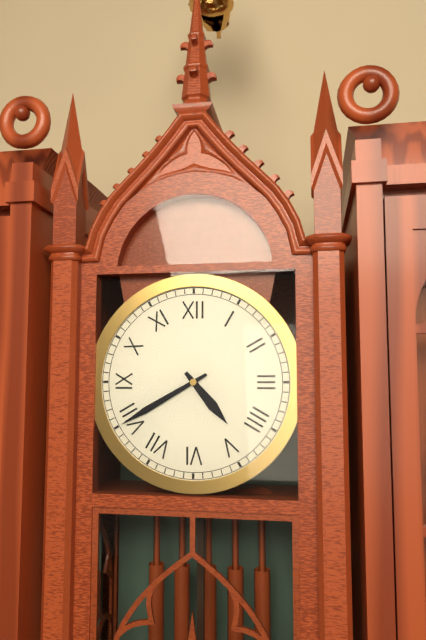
4:40
